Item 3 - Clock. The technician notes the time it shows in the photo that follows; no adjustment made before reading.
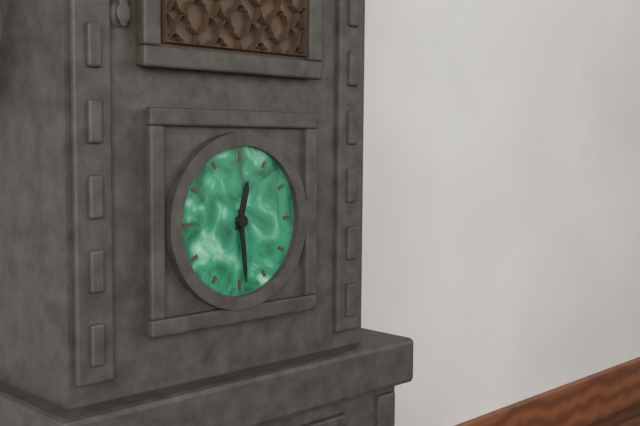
12:29
